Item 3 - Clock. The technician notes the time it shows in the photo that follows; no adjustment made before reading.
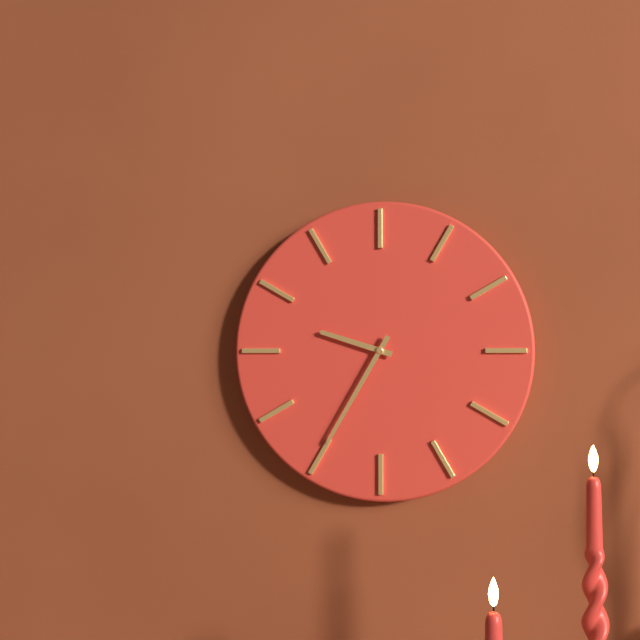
9:35
